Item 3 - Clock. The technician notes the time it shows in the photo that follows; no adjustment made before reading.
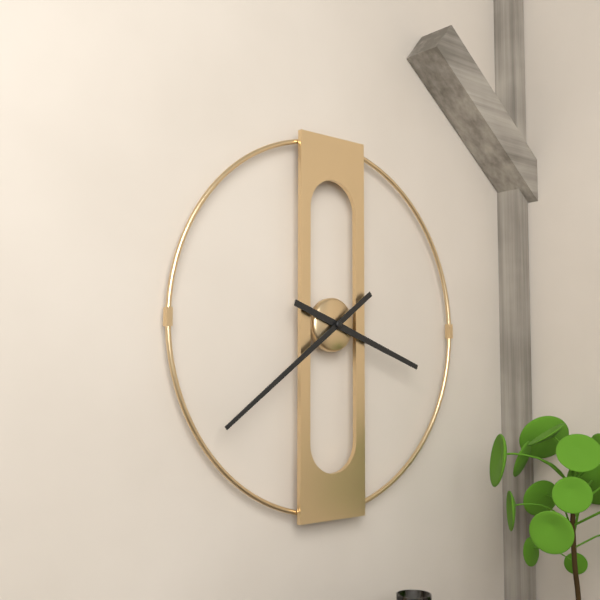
3:39
